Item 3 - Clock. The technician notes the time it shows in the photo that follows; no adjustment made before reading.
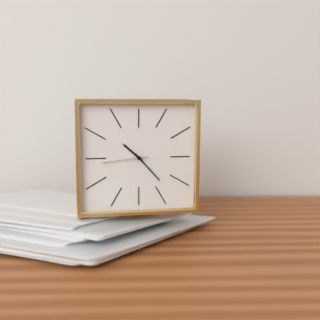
10:23
